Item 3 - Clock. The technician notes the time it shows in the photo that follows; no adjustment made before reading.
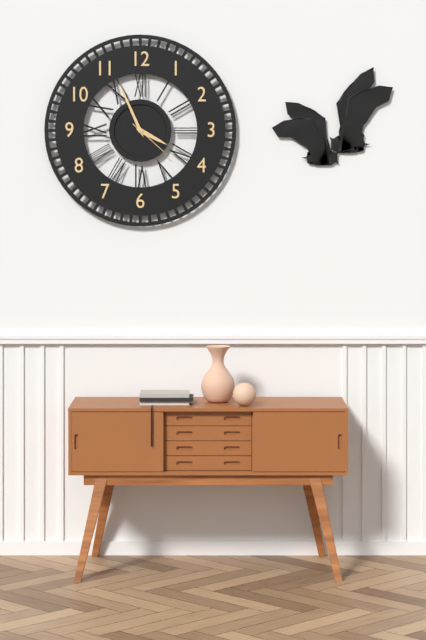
3:56
